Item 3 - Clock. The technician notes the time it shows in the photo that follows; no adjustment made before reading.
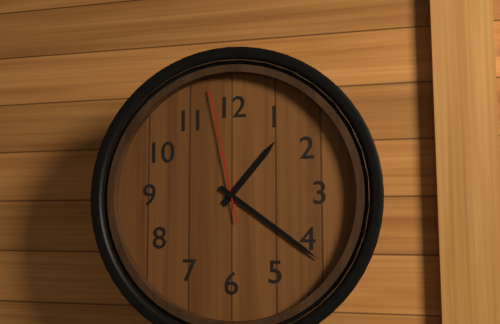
1:21:58
